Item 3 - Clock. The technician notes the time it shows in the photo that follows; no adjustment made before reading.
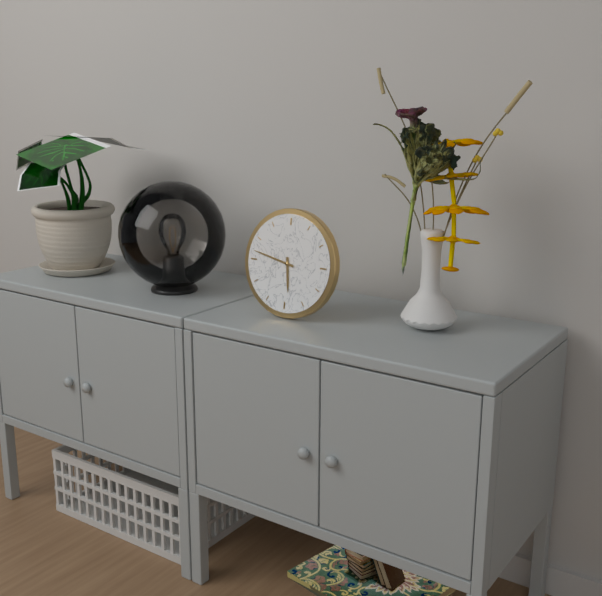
5:47
